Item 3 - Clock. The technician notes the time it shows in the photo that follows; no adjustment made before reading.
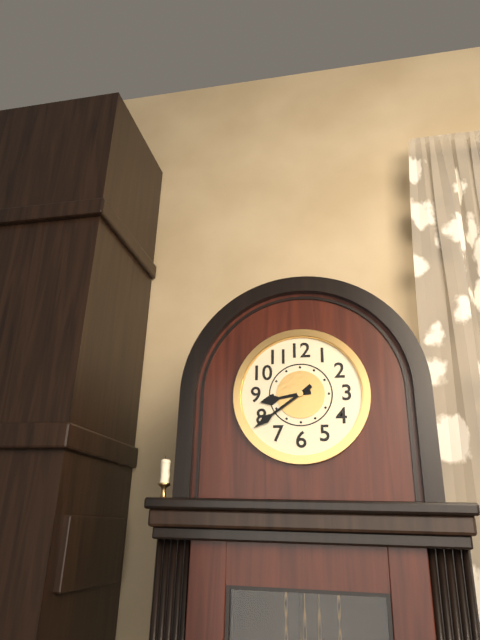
8:39
